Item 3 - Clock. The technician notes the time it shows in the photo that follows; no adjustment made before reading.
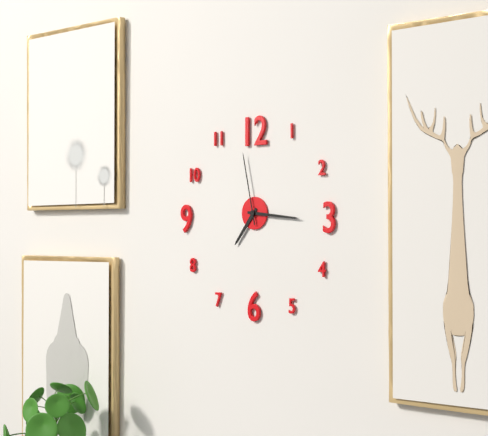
7:16:58
